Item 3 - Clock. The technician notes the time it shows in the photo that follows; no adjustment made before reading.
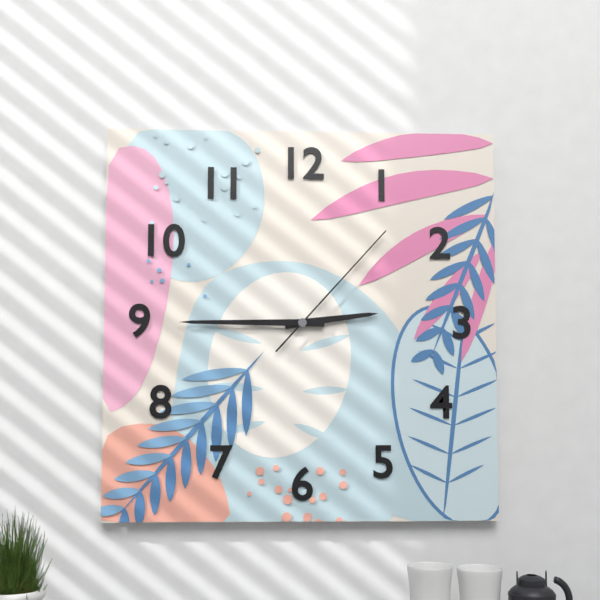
2:45:07
